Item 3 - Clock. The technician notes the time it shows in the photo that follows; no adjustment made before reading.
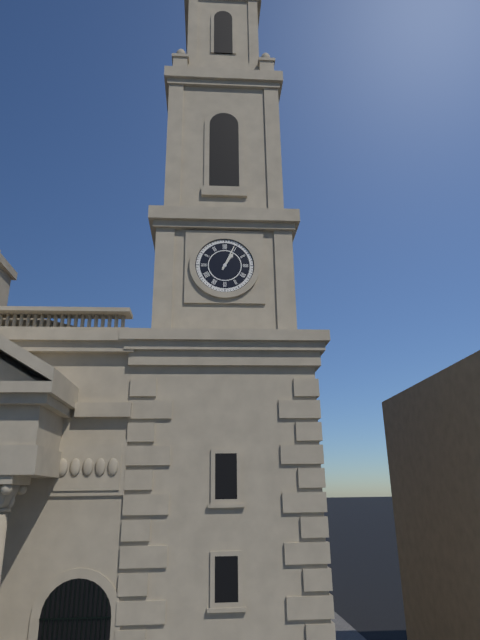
1:04
